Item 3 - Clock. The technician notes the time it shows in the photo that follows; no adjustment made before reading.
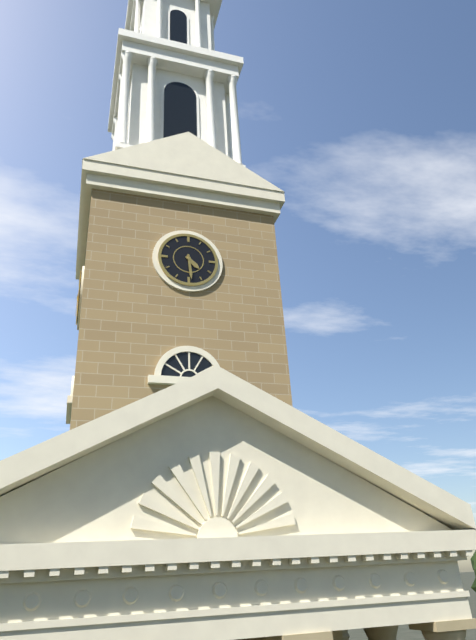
4:29
